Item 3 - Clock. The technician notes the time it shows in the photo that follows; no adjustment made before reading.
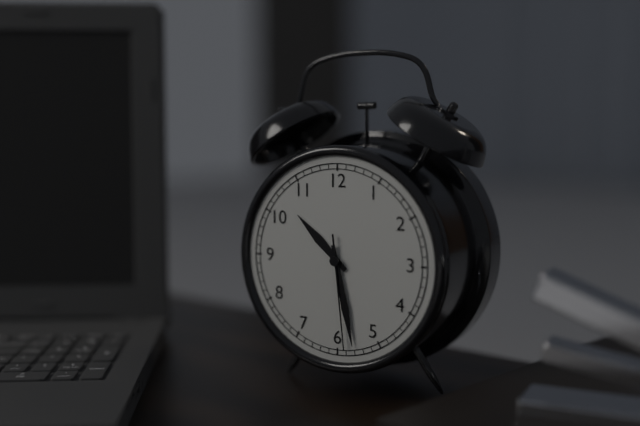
10:28:29
